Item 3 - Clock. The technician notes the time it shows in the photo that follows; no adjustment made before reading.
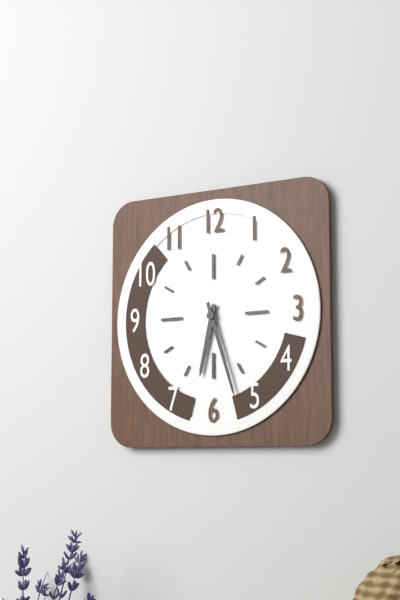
6:27
